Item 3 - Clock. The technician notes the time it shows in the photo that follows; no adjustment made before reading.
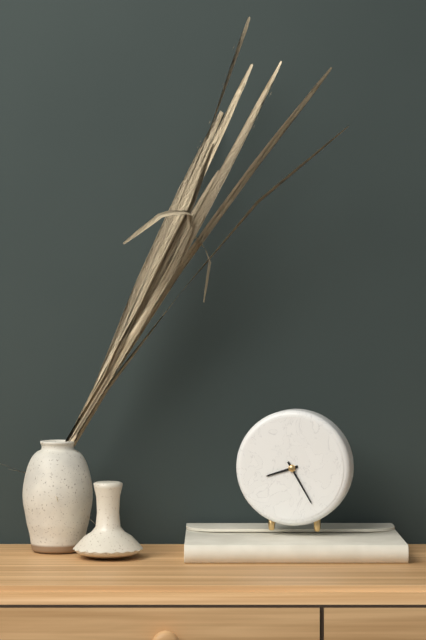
8:25
